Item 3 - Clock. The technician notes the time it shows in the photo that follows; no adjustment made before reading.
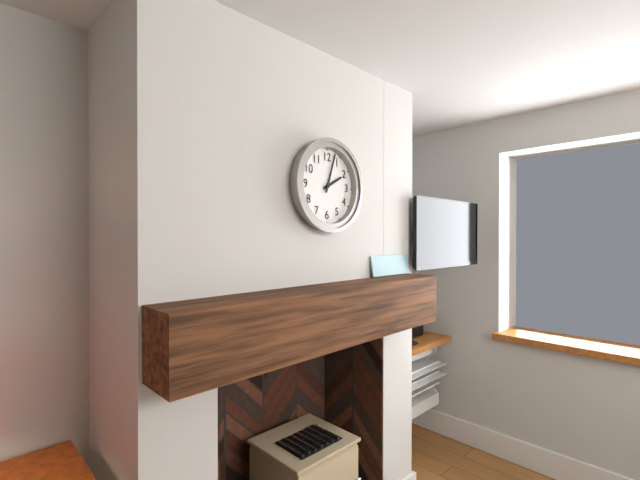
2:03
